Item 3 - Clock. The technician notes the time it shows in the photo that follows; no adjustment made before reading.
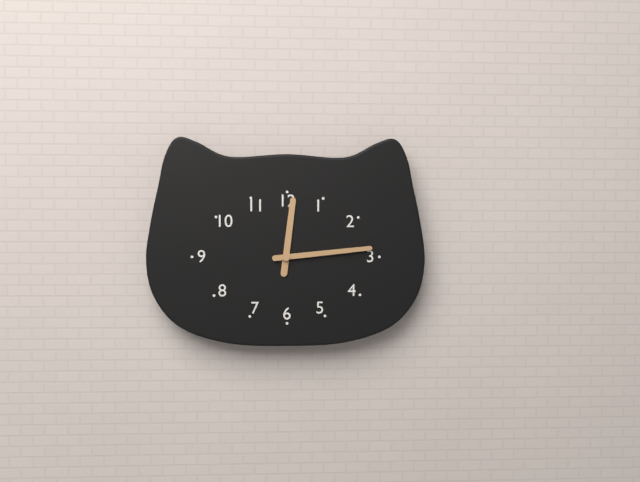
12:14
